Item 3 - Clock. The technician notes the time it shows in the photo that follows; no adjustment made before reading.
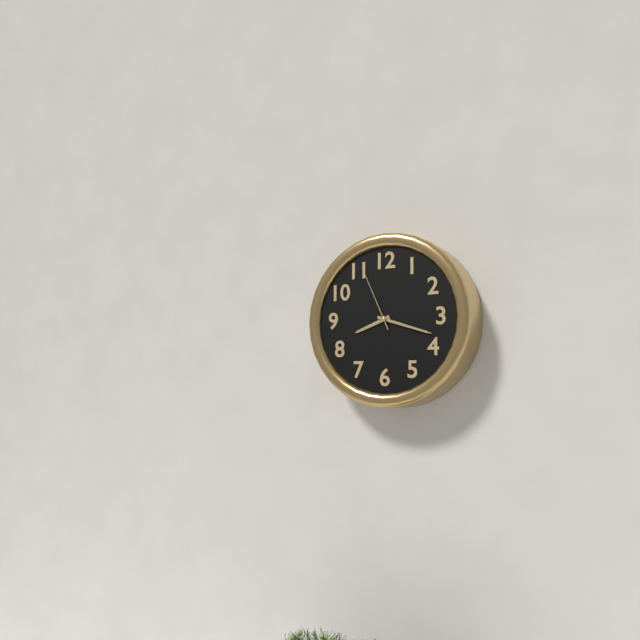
8:18:56
